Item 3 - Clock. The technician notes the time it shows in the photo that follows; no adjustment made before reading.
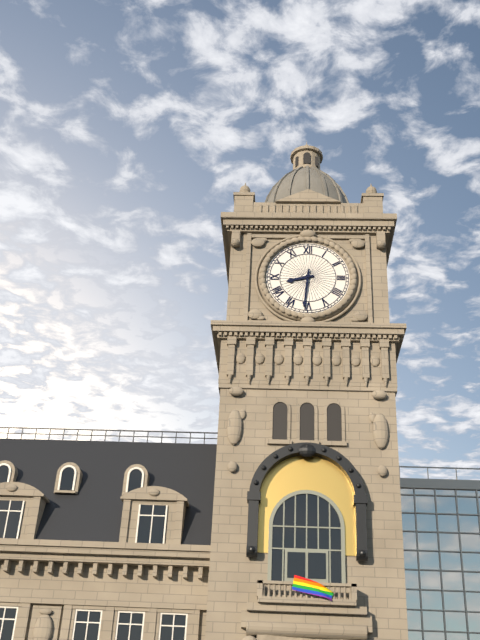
8:31
